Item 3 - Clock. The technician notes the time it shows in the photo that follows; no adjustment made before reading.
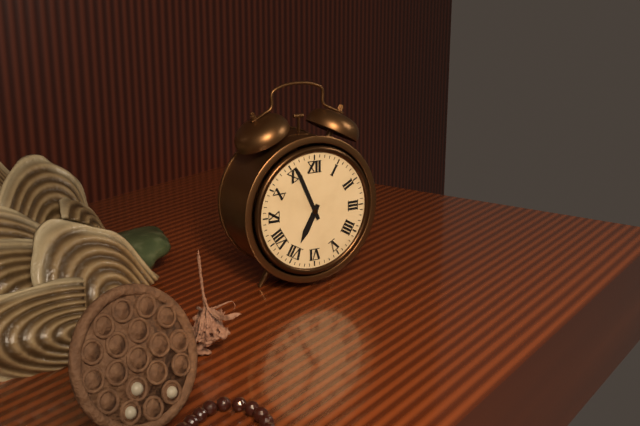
6:56
